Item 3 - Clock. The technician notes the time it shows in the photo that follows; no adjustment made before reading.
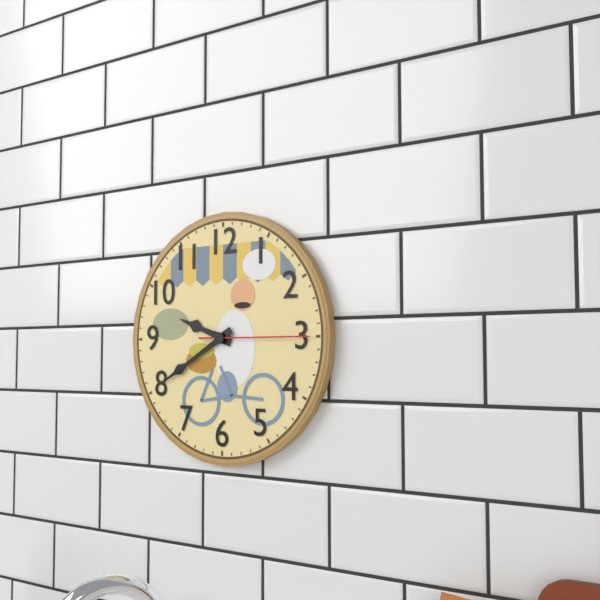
9:40:15
